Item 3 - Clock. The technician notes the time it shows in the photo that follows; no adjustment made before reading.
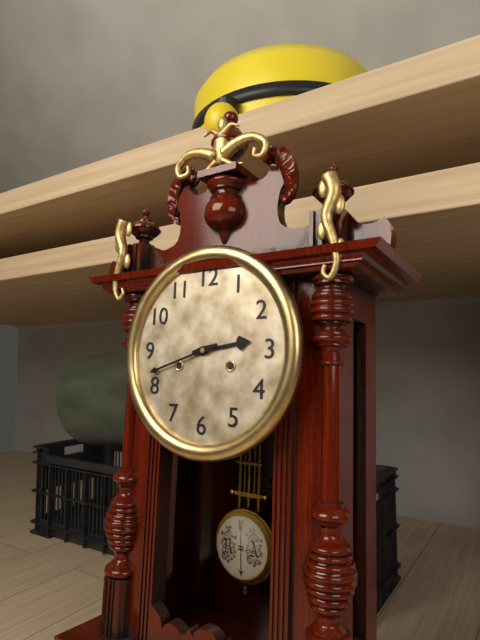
2:42
